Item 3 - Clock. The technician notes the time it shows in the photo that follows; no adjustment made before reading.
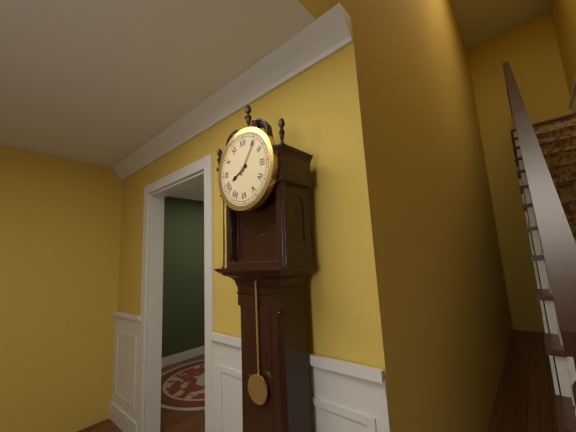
8:06
